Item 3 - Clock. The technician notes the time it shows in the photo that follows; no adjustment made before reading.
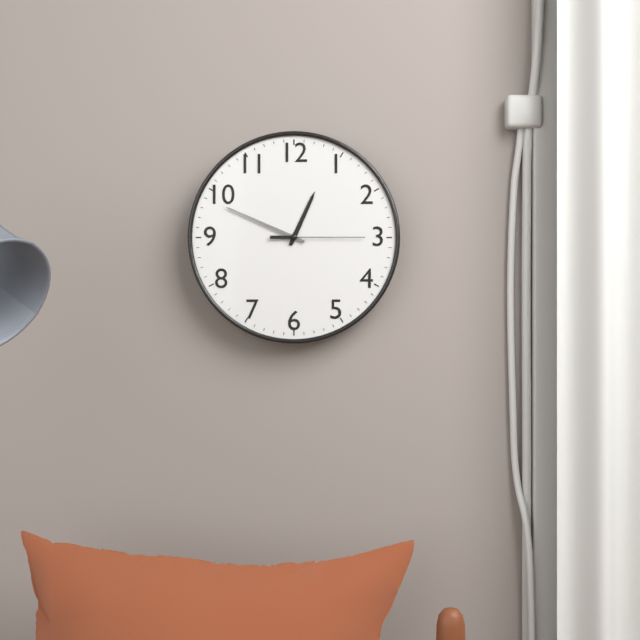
12:49:15
